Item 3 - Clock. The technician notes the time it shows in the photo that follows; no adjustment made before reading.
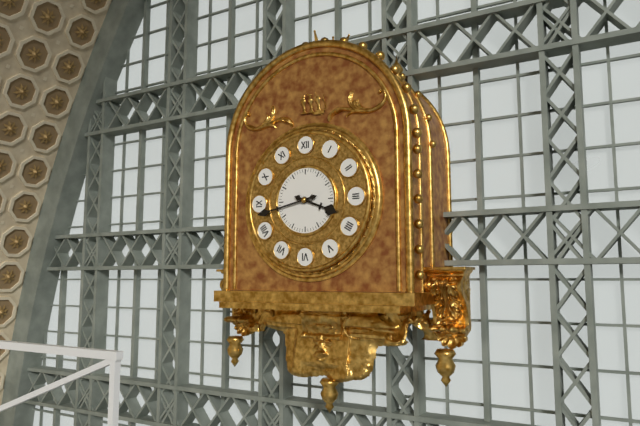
3:43
